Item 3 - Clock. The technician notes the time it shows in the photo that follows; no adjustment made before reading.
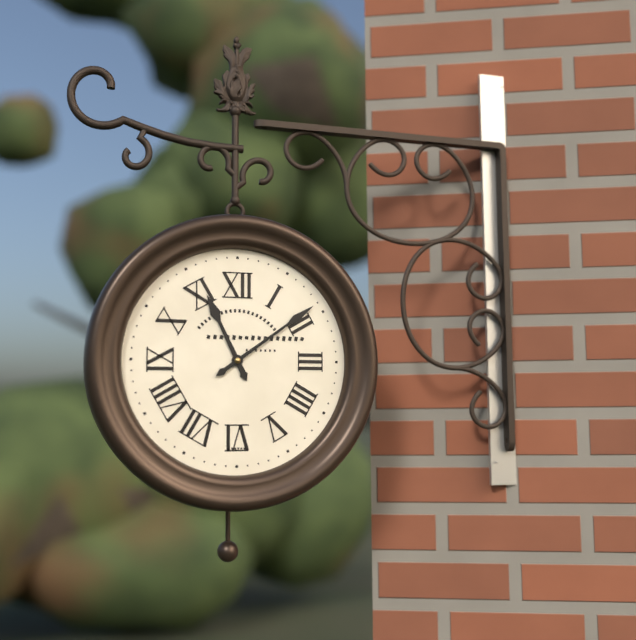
11:09
